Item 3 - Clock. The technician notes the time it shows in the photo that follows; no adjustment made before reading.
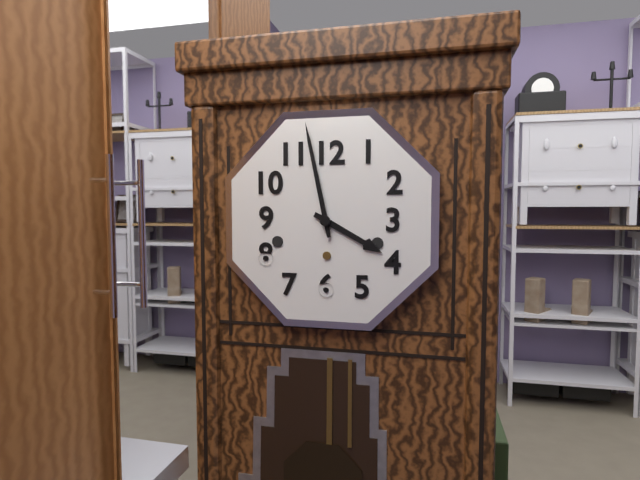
3:58
